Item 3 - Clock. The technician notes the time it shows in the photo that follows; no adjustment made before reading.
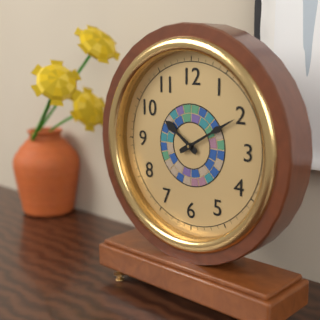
10:10
